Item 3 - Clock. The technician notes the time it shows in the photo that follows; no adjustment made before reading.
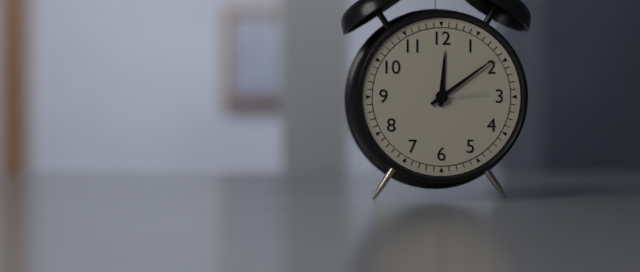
12:09:14
